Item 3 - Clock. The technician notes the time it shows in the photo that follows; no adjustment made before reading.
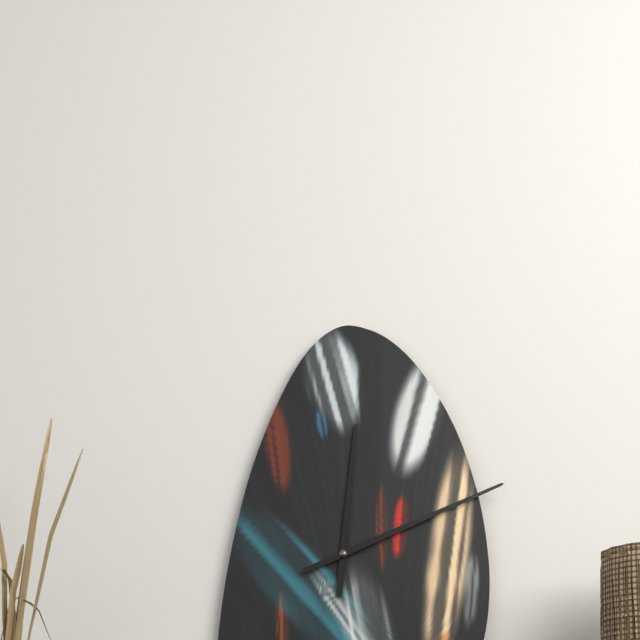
12:11
